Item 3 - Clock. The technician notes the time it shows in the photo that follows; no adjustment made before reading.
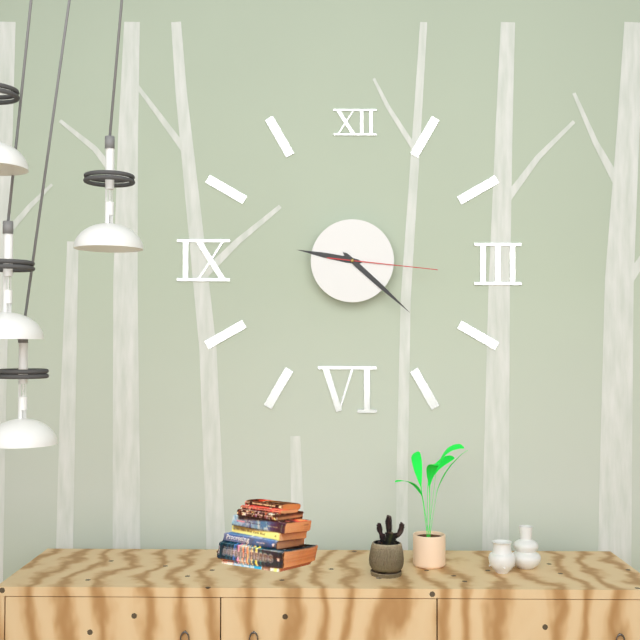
9:22:16
